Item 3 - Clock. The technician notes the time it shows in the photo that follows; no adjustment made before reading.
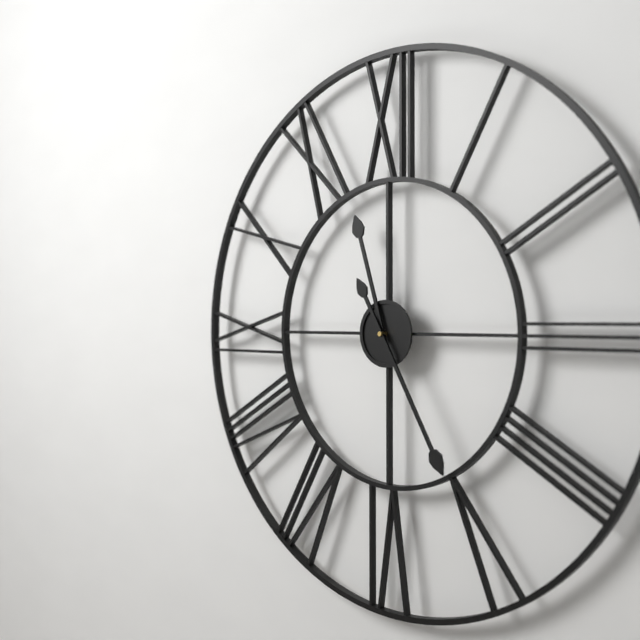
11:25
